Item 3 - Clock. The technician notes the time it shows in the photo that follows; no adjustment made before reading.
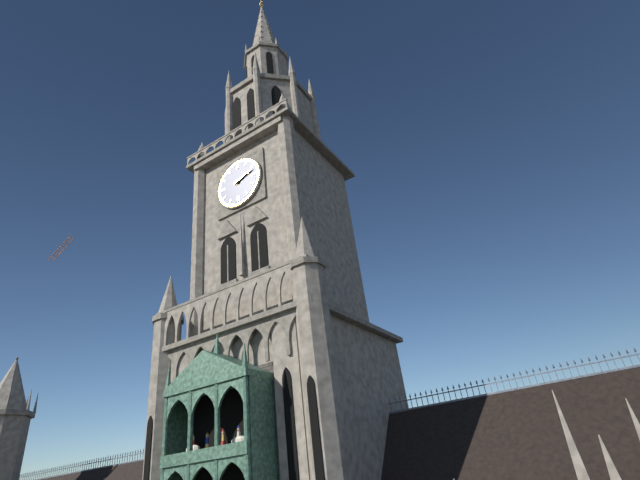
2:12
